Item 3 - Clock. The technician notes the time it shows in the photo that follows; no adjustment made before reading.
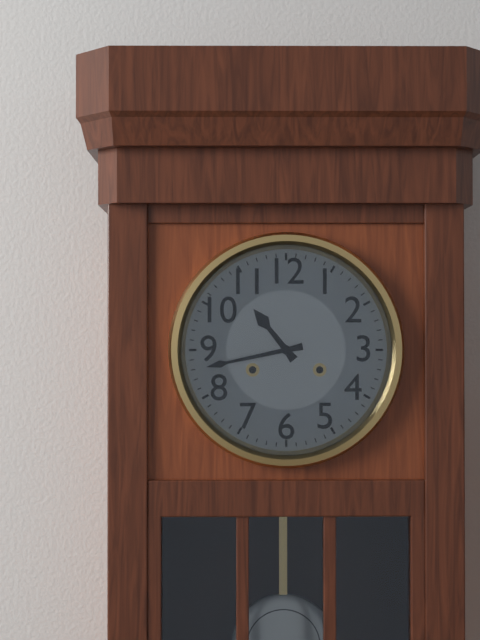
10:43
